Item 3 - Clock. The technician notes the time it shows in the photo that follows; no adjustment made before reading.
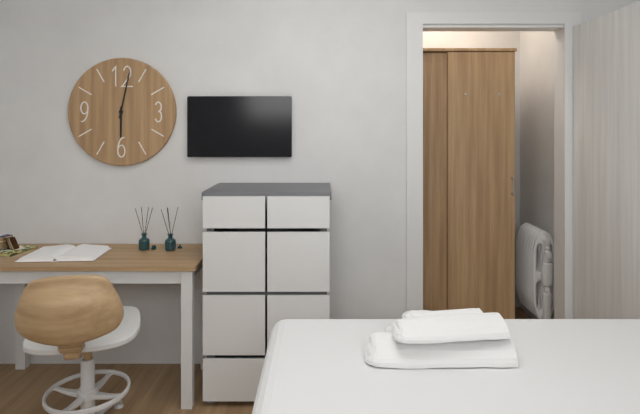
6:02
